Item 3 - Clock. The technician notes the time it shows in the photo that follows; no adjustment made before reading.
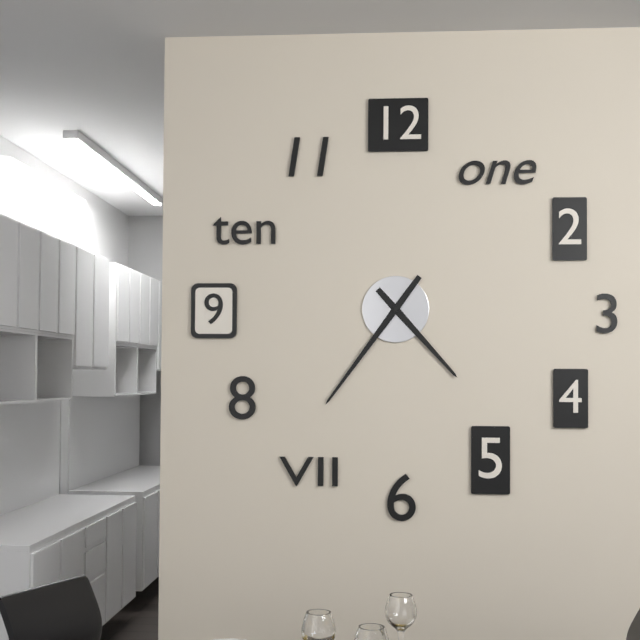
4:36
